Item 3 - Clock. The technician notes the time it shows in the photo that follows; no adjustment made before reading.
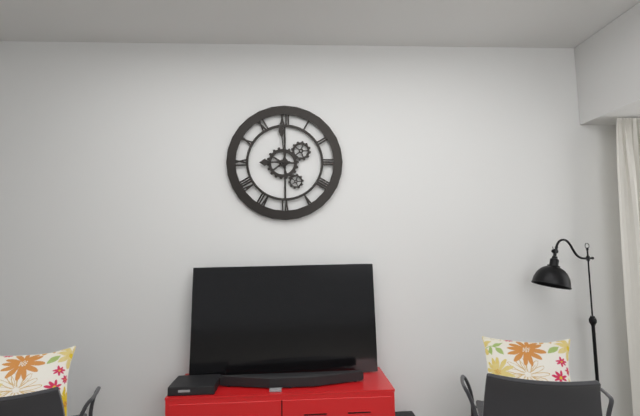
8:59
